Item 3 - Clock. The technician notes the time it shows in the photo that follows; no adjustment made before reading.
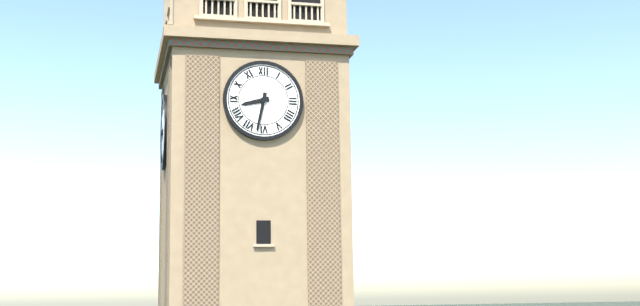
8:32
